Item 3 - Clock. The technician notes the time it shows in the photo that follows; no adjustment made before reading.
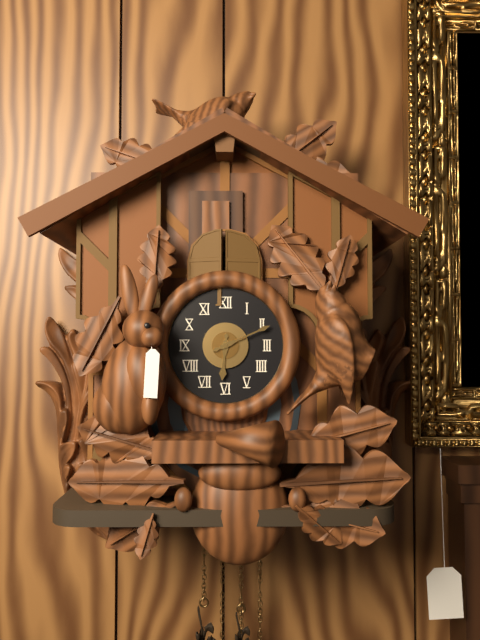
6:11
